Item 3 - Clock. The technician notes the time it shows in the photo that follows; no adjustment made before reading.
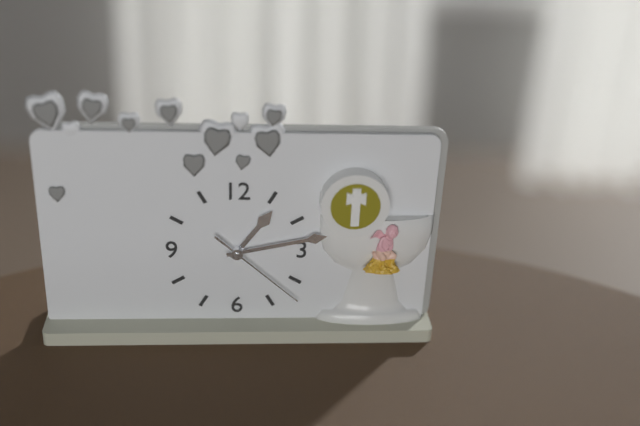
1:13:22
